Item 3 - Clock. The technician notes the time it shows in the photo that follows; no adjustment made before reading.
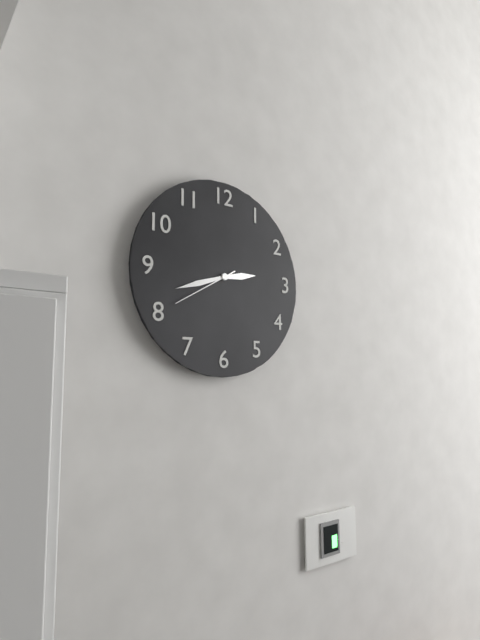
2:42:40
